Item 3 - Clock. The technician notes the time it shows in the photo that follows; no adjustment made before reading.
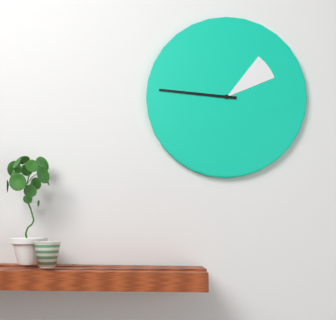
1:46
